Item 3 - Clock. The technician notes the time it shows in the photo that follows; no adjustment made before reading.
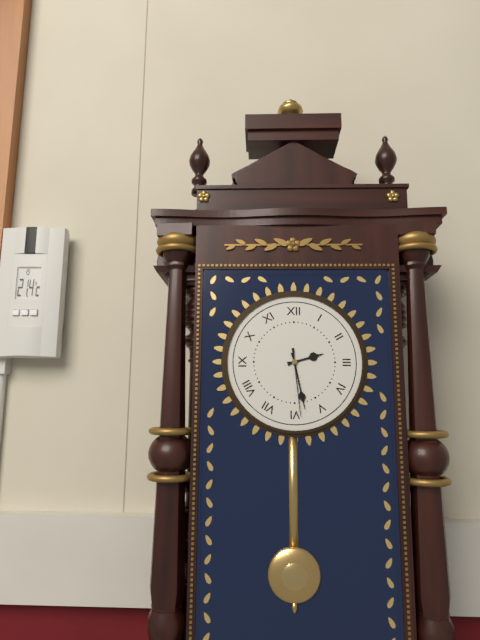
2:28:29
